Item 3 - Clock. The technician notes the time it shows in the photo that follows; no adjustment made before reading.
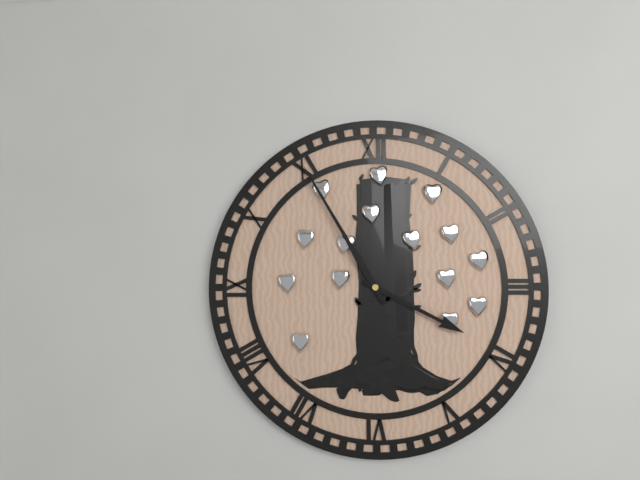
3:55
